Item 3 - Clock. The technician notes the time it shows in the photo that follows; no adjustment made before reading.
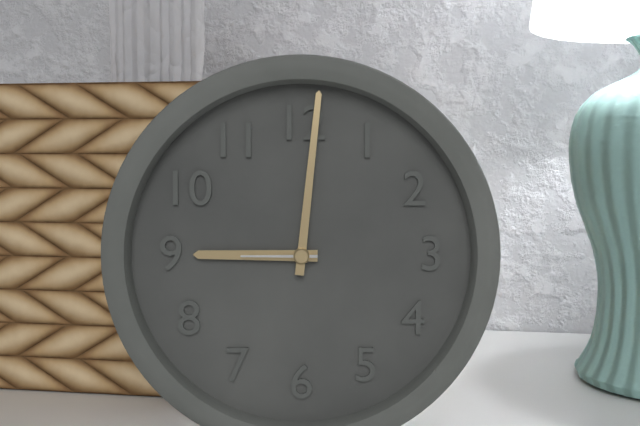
9:01:45
